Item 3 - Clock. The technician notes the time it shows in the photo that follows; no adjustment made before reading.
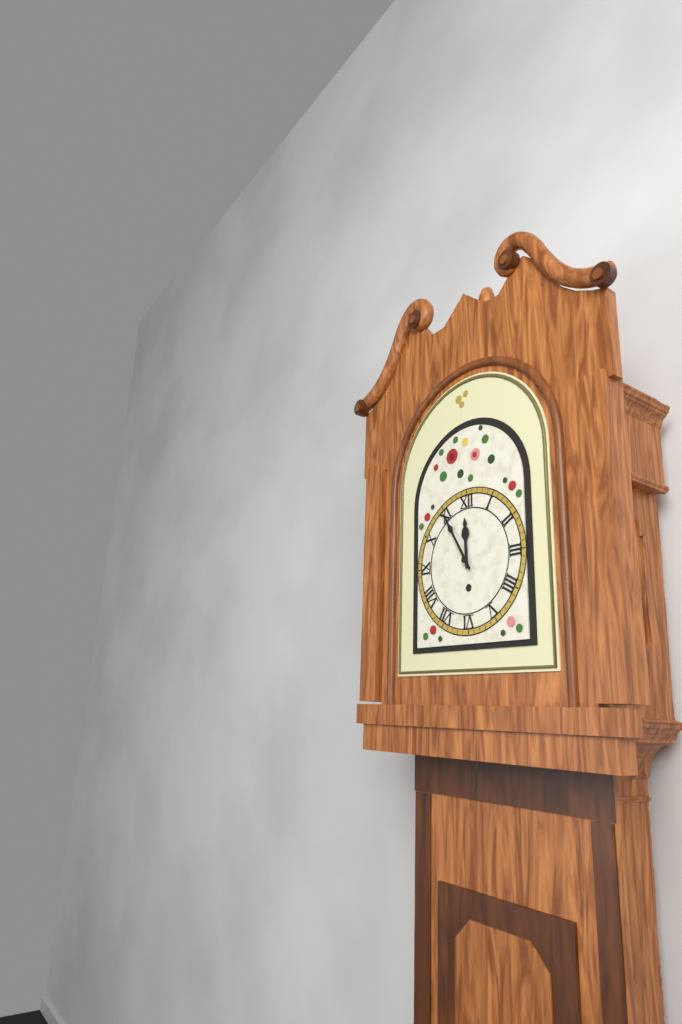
11:55
